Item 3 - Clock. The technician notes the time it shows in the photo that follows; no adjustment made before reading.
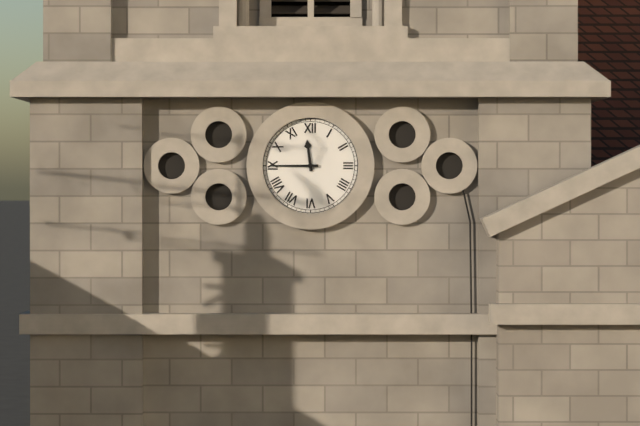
11:45
